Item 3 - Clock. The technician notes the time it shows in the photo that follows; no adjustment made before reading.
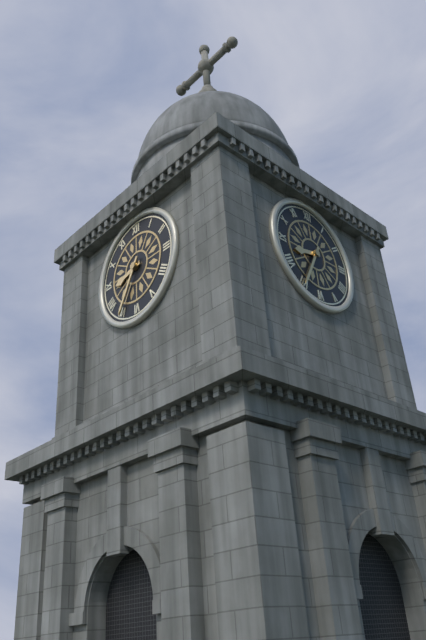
8:35
